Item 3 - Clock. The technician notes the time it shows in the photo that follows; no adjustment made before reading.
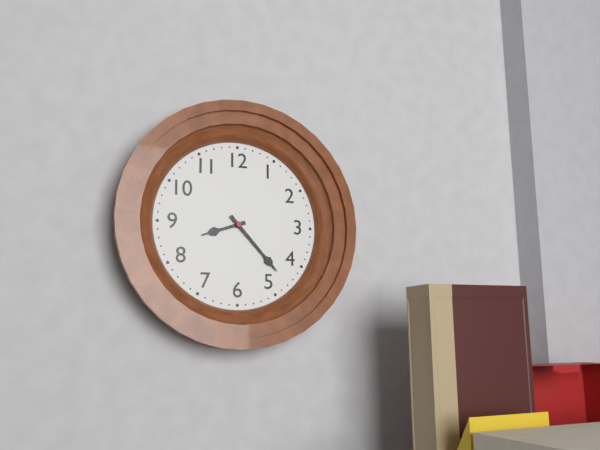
8:23
